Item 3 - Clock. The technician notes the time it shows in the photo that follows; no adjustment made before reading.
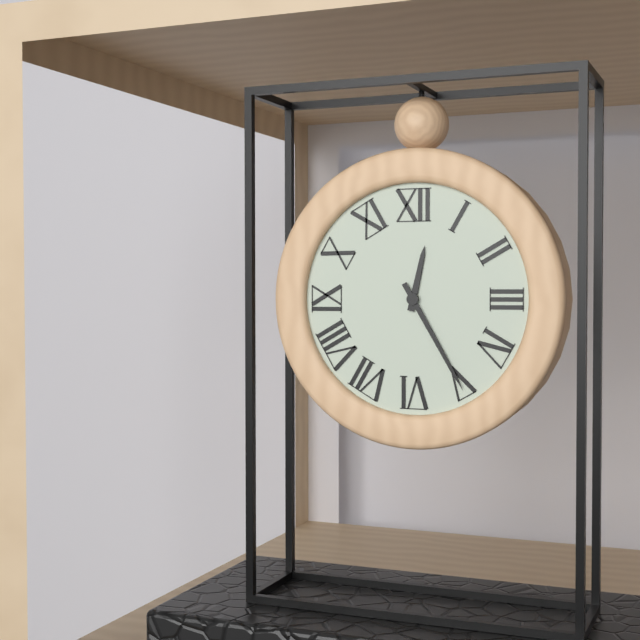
12:25
